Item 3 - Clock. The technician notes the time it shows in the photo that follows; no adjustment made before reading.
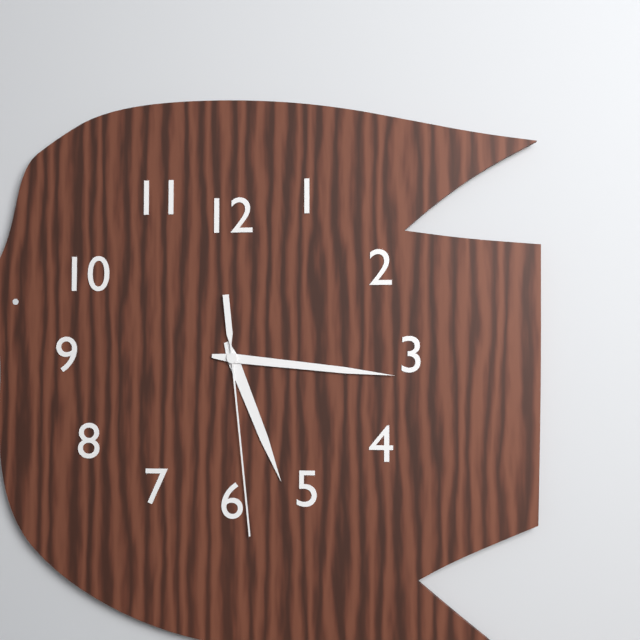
5:16:29
